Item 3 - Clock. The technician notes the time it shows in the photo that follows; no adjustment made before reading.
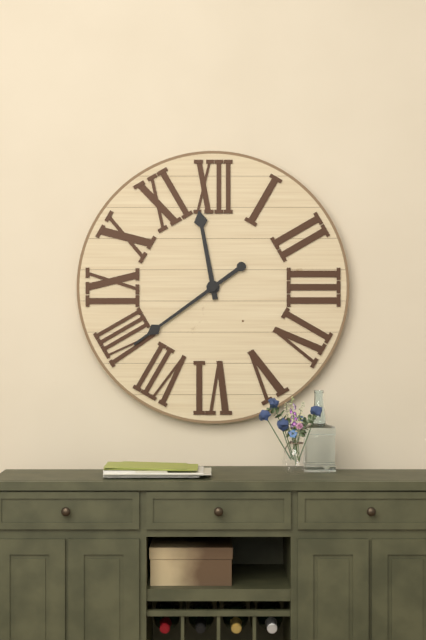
11:39
